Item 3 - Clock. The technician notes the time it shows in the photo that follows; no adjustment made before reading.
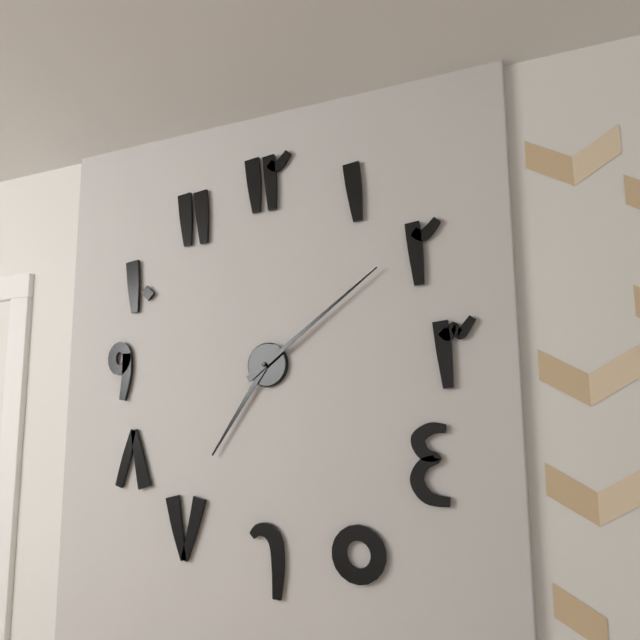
7:09
